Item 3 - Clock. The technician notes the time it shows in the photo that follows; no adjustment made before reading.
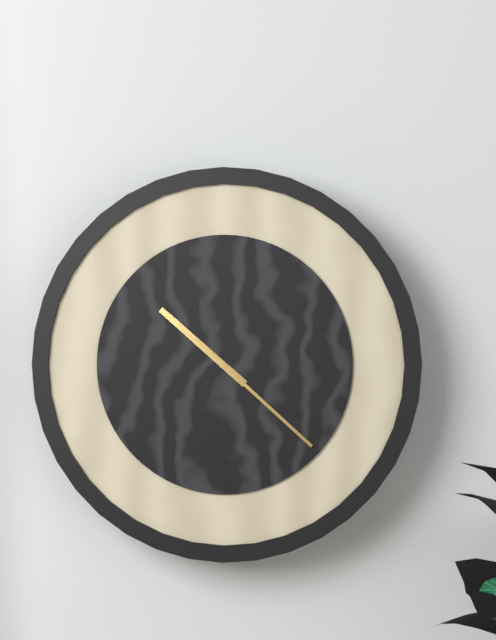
10:22
